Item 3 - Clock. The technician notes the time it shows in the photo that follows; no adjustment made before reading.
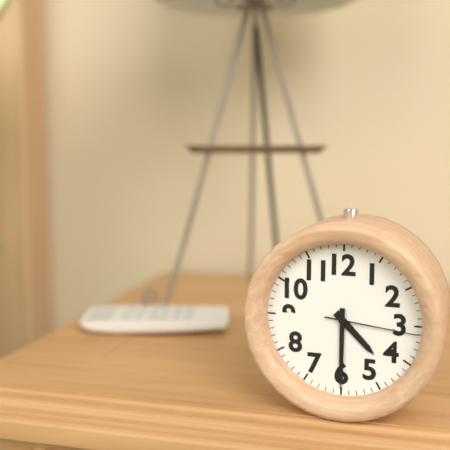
4:30:16
